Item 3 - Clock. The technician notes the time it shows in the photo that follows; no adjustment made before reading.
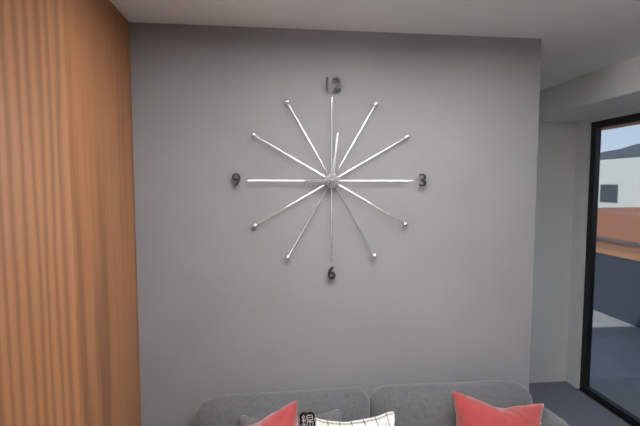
9:01
